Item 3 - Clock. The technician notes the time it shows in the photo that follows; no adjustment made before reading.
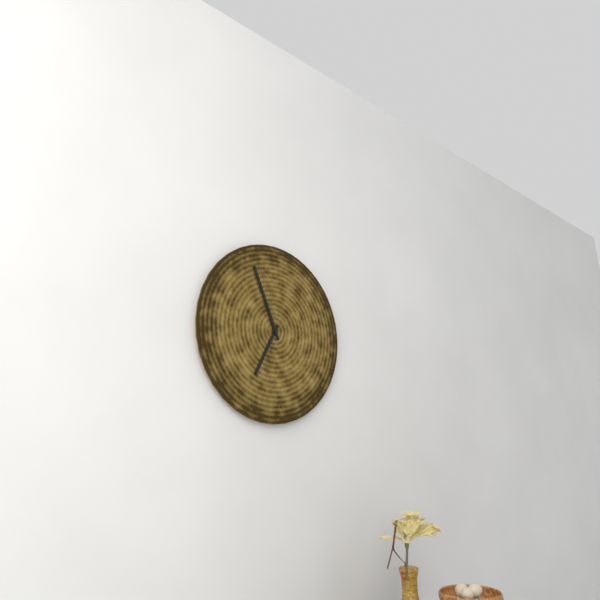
6:56
